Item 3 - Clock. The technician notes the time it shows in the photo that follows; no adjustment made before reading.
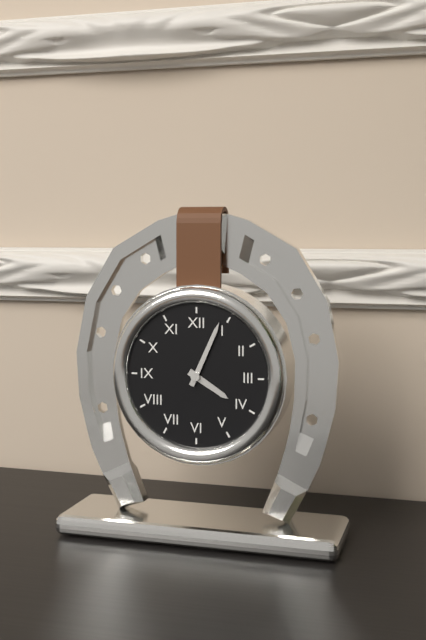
4:04
